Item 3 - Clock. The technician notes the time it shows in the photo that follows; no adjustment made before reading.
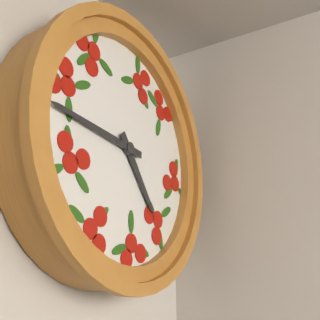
4:46
